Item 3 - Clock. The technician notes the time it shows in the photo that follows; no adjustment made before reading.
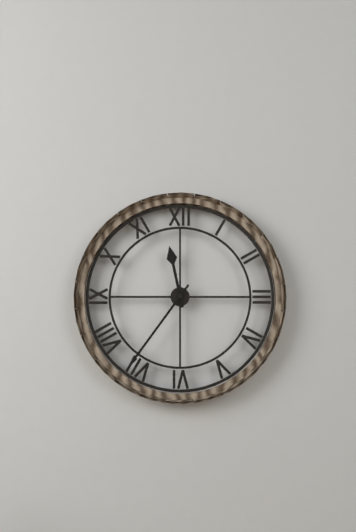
11:36
